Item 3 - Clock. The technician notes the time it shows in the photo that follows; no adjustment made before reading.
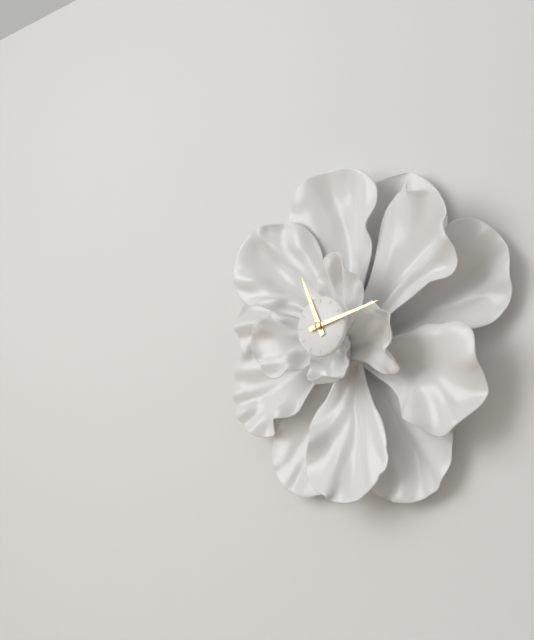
11:13
